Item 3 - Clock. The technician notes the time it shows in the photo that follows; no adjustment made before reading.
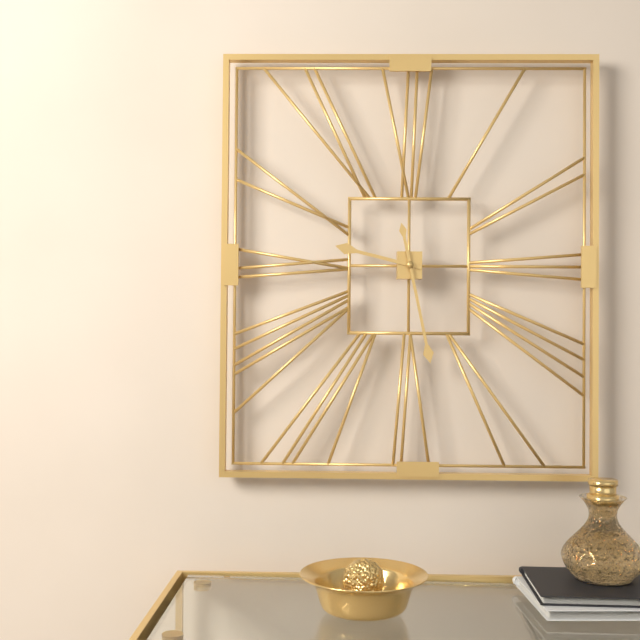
9:28
